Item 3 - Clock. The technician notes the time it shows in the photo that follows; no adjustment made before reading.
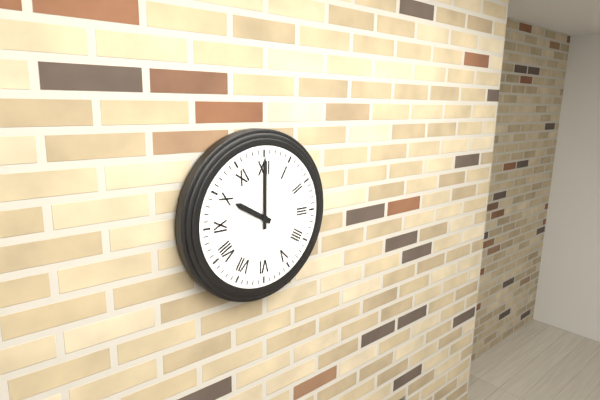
10:00
